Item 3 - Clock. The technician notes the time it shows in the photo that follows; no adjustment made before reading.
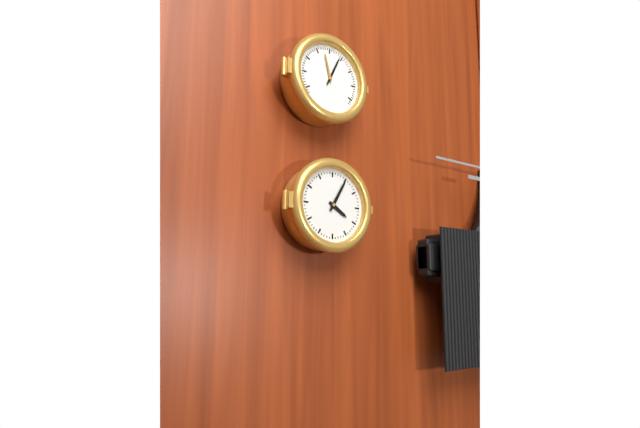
4:05
